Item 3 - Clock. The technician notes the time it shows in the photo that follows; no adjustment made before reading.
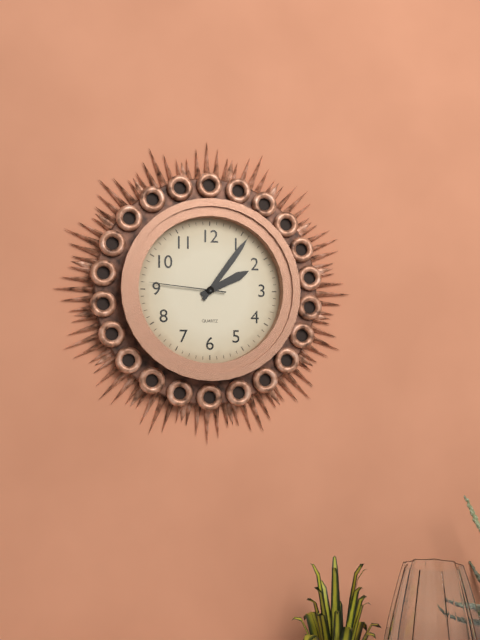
2:06:46
